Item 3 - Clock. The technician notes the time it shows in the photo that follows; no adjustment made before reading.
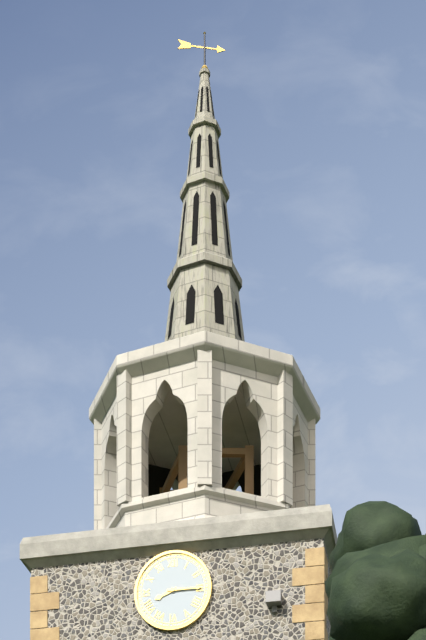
8:15
